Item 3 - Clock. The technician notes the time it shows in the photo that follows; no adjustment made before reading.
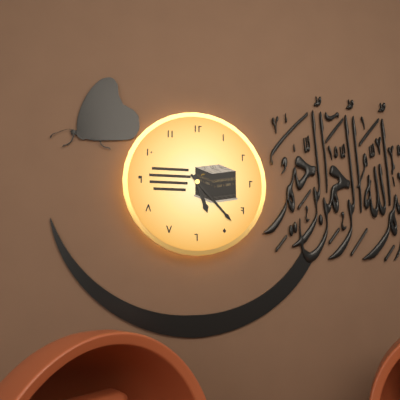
5:23
